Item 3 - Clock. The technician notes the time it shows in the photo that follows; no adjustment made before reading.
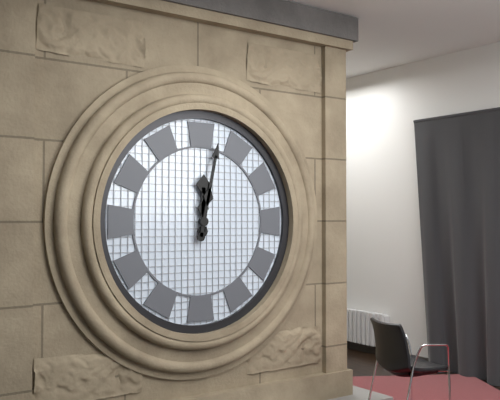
12:02
